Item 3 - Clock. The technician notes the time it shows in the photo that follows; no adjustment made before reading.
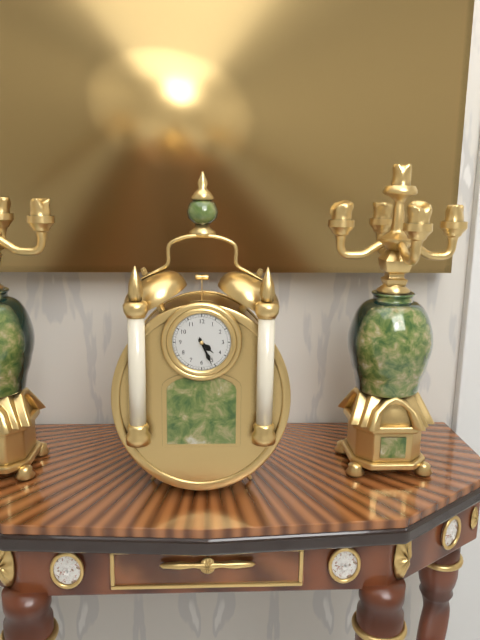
4:26
